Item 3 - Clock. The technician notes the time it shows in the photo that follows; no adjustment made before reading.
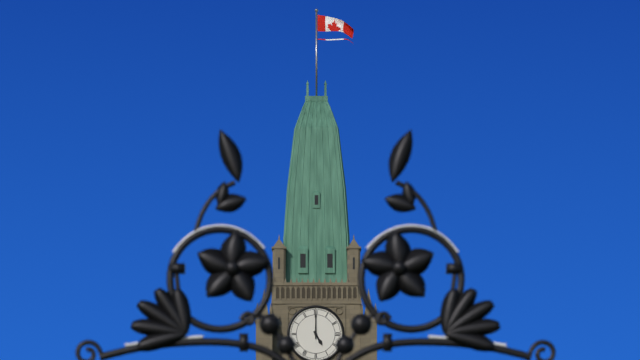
5:00
